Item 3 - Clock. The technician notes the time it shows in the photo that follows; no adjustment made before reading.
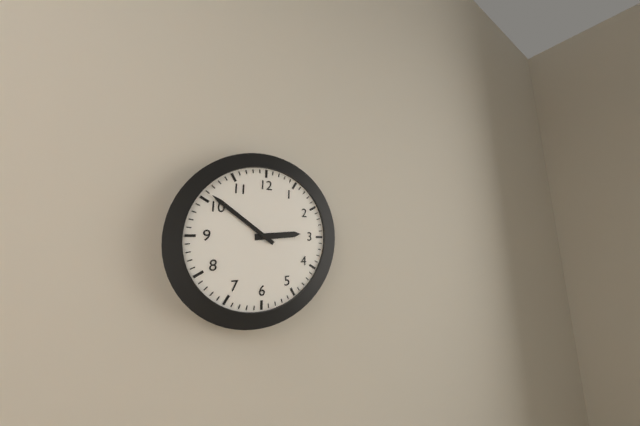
2:51
